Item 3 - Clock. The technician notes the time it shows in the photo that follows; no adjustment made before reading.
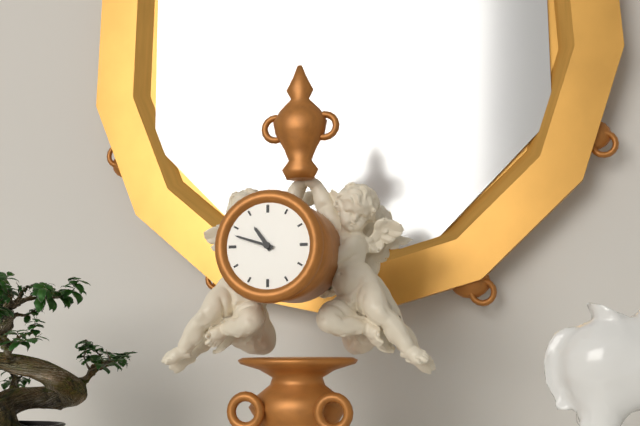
10:48
